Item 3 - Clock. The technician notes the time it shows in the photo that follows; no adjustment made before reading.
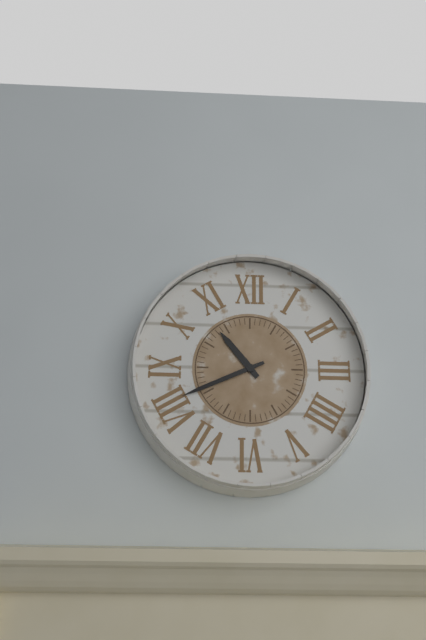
10:41
